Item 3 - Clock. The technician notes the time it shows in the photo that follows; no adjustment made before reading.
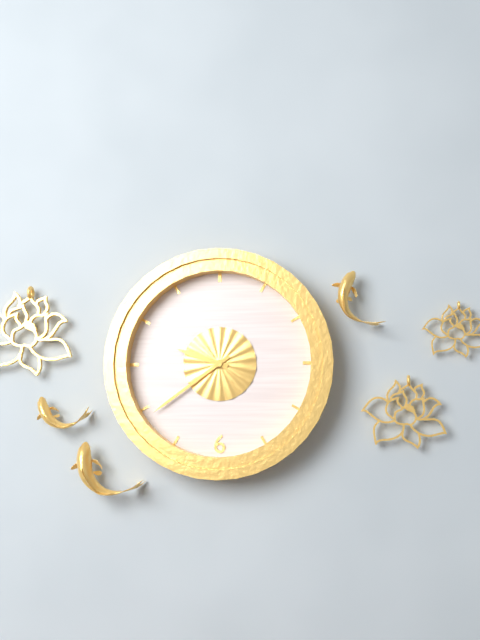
9:39
